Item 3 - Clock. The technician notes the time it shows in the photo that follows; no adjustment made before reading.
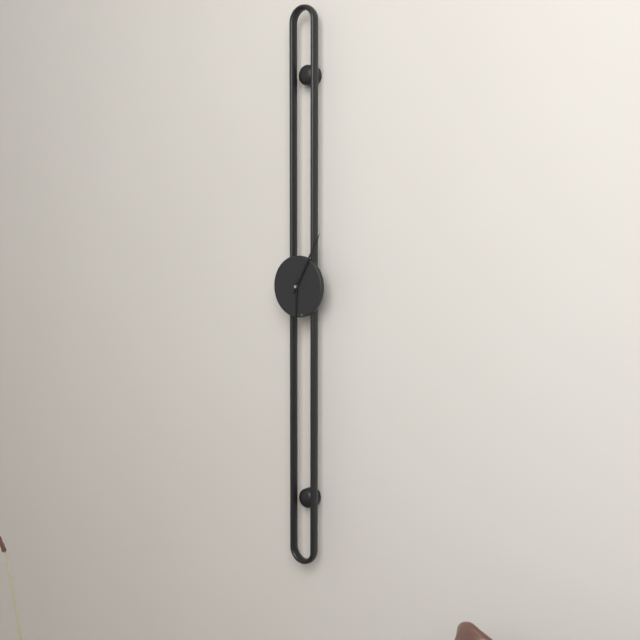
6:05
